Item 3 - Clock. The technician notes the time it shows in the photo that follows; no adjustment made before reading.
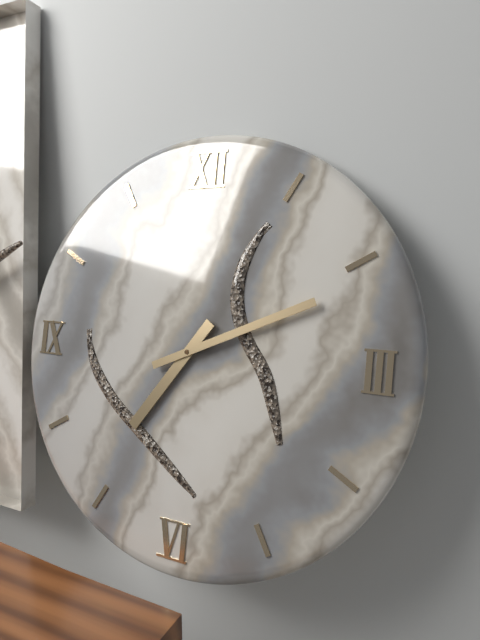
7:11
